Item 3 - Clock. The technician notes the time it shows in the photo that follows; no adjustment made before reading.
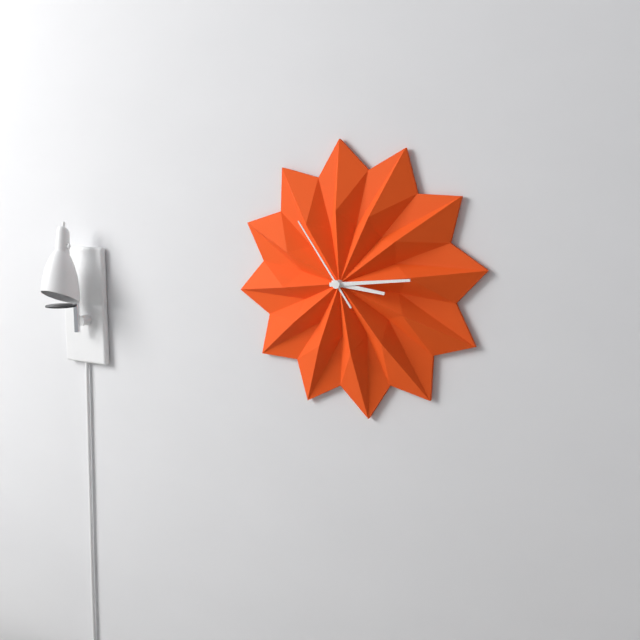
3:14:54
